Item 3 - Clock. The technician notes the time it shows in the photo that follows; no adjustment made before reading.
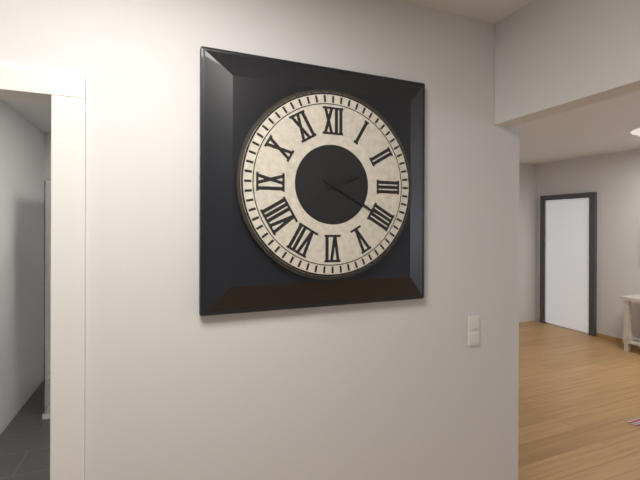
2:20
